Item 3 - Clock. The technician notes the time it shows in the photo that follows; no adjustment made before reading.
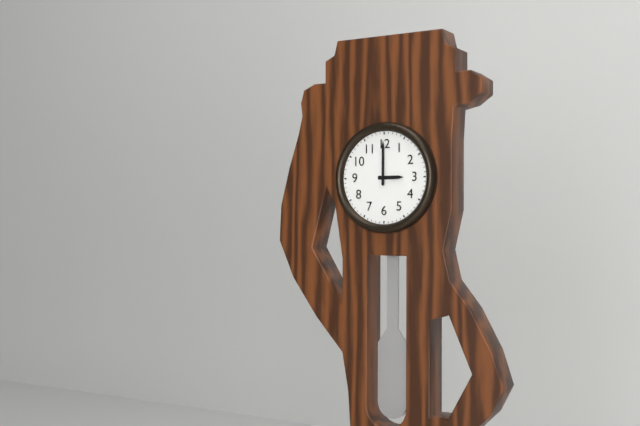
3:00
